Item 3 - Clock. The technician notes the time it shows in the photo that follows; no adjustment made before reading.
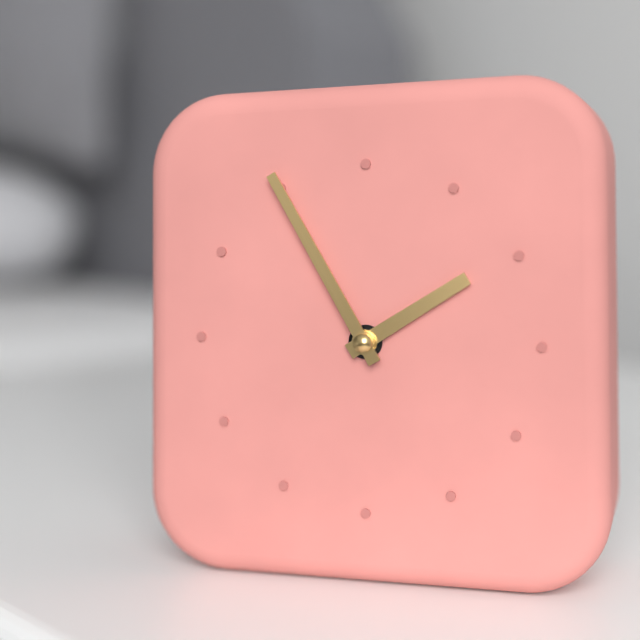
1:55
